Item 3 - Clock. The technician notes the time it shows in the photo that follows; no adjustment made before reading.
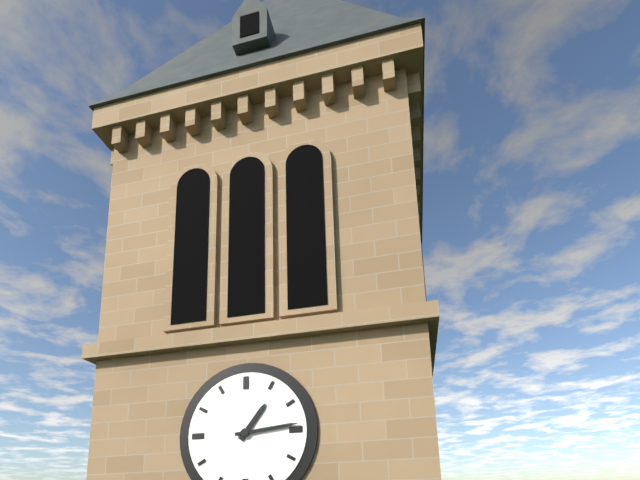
1:14
